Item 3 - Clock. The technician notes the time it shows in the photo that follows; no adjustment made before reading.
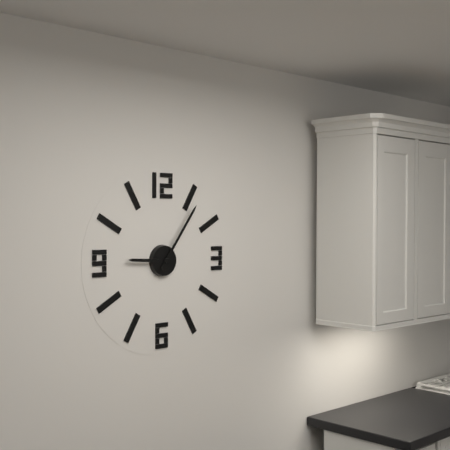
9:06
